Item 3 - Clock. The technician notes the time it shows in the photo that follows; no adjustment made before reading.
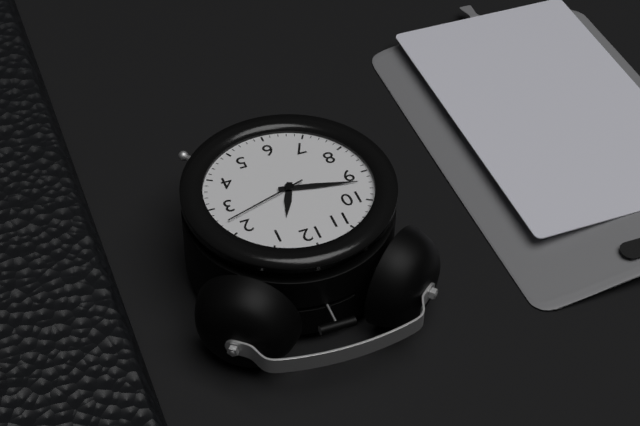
12:47:12
